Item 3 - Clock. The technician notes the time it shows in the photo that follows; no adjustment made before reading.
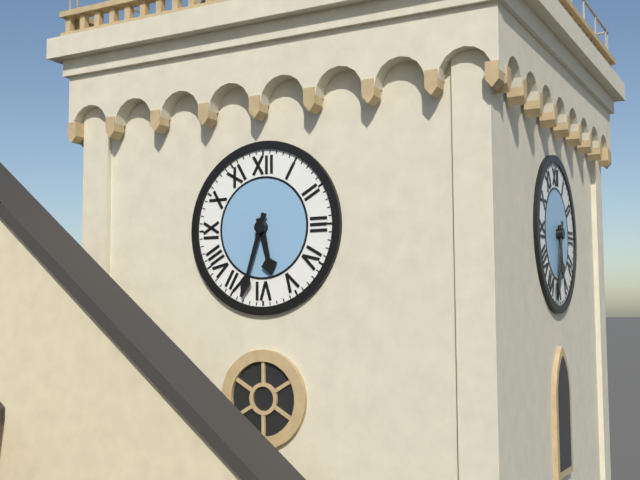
5:33
